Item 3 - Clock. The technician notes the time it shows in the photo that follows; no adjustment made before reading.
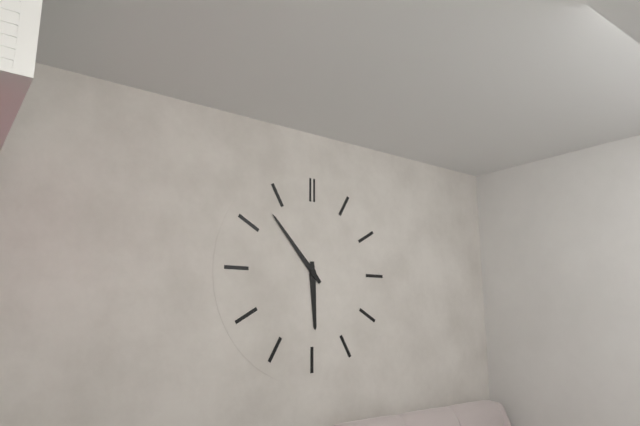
5:53
